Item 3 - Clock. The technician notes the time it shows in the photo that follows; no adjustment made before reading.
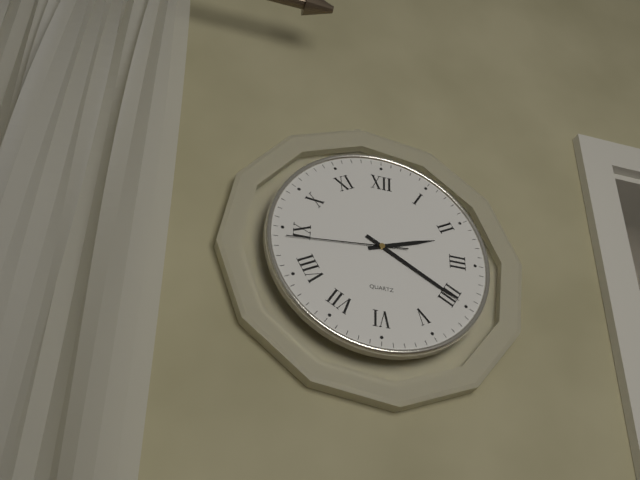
2:20:44
